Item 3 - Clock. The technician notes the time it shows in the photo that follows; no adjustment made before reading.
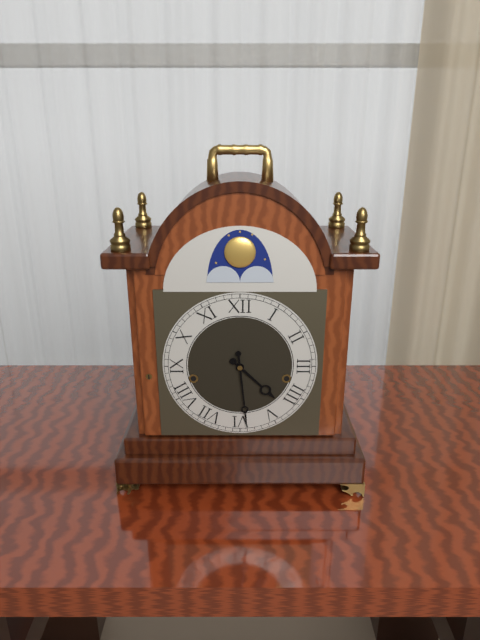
4:29
